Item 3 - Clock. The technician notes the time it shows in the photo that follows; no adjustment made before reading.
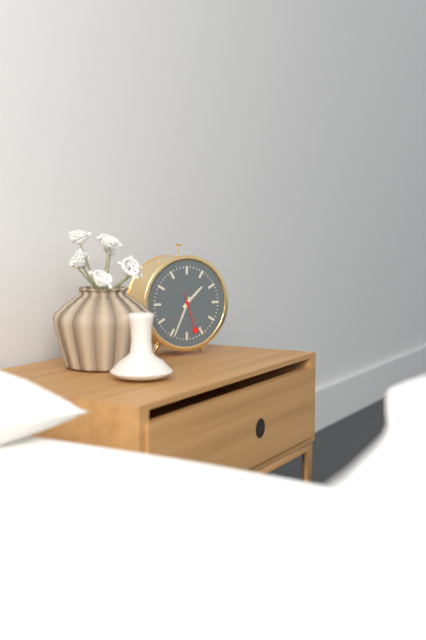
1:34
